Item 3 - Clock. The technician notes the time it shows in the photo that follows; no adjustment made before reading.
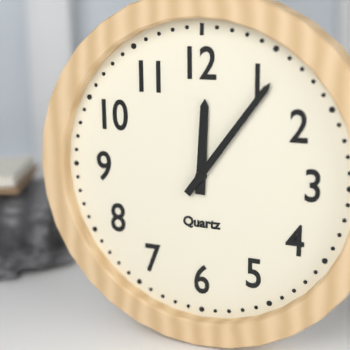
12:06
